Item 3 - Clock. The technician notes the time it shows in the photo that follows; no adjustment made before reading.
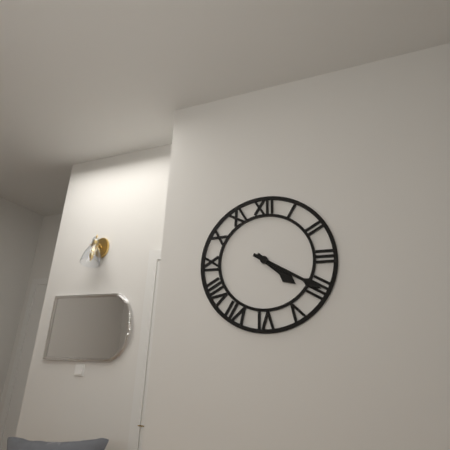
4:20
